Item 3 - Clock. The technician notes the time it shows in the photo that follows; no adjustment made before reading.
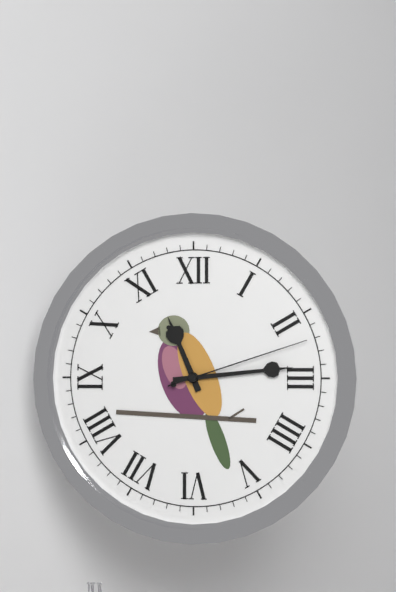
11:14:12
